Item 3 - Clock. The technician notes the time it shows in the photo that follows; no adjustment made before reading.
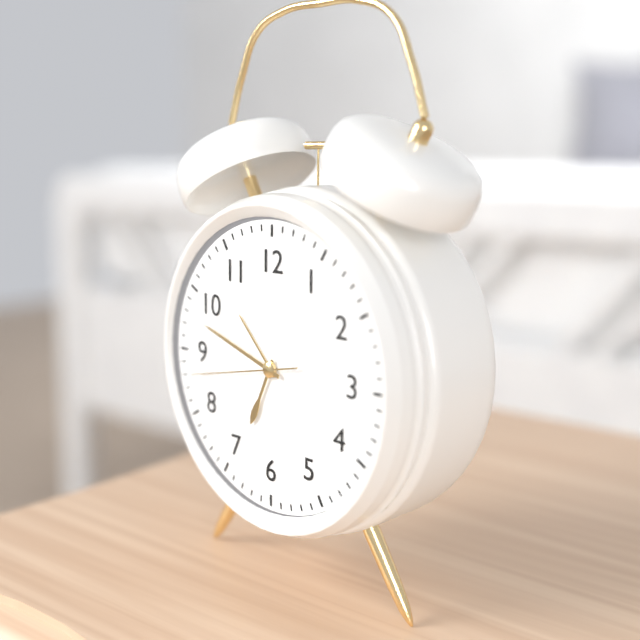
6:48:43
